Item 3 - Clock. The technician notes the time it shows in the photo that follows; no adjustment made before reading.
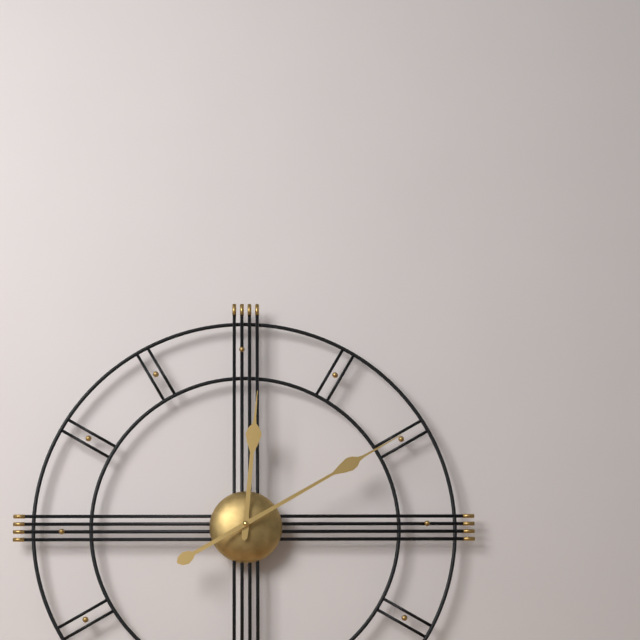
12:10
